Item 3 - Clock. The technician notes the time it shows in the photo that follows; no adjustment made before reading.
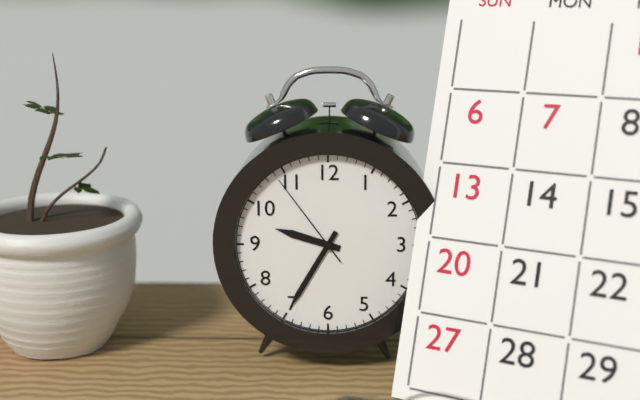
9:35:54
